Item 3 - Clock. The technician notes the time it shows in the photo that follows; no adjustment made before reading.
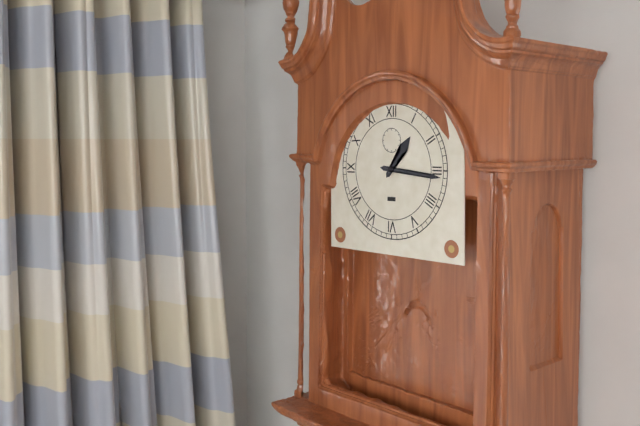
1:16
